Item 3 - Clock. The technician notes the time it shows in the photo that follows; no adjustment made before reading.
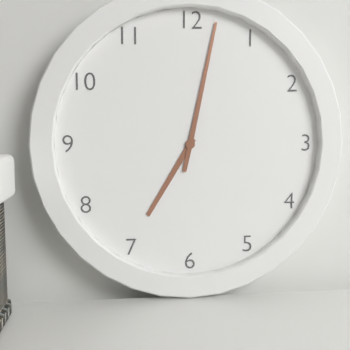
7:02
